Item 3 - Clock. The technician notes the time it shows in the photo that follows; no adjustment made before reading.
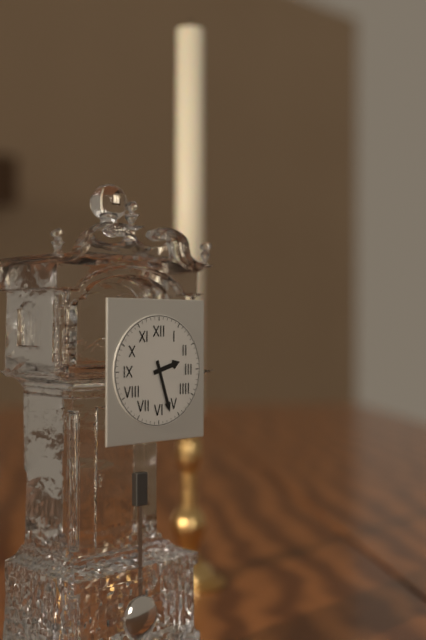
2:27
